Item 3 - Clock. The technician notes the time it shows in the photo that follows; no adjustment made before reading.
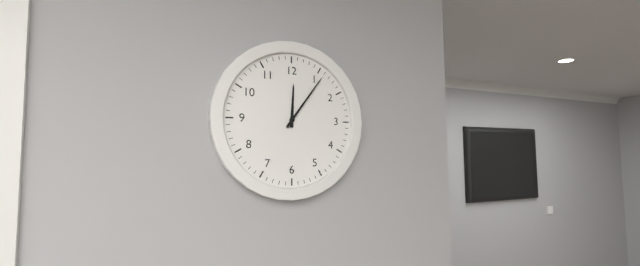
12:06
